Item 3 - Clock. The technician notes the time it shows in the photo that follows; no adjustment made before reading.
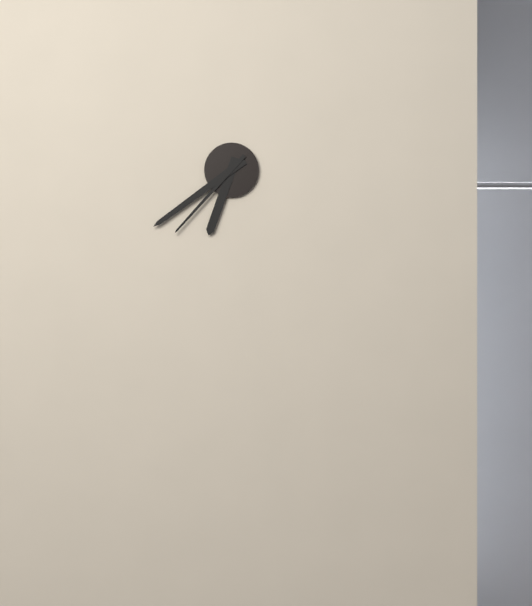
6:39:37
